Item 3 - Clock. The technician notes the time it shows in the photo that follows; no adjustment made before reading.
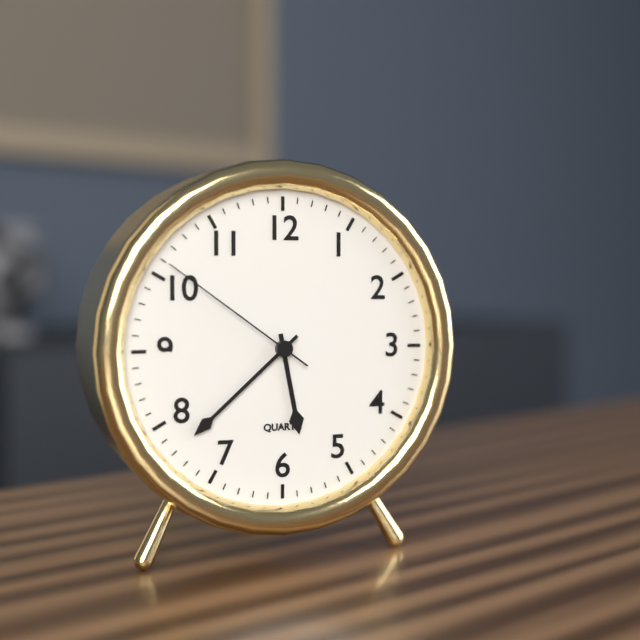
5:38:51
